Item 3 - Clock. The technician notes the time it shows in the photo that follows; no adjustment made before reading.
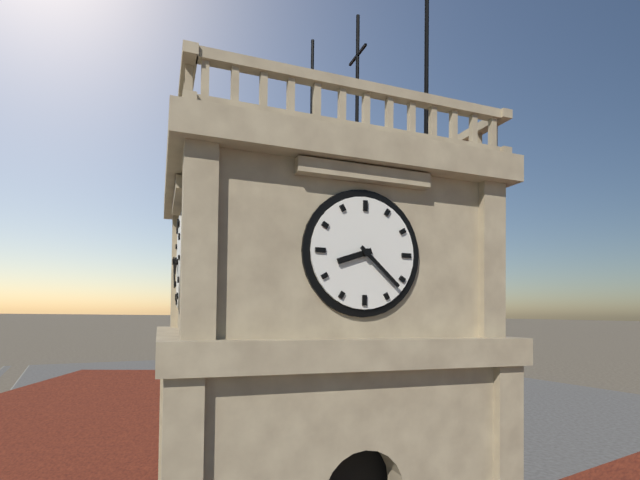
8:22
